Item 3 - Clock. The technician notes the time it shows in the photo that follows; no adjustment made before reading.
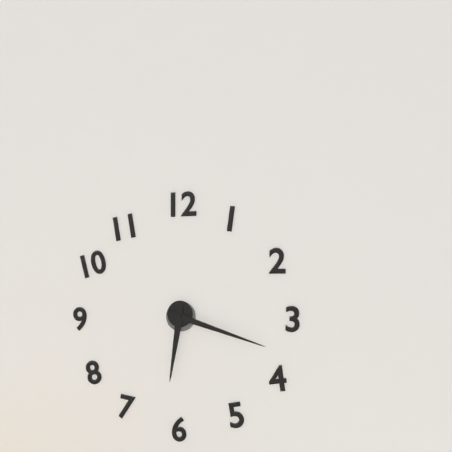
6:18
